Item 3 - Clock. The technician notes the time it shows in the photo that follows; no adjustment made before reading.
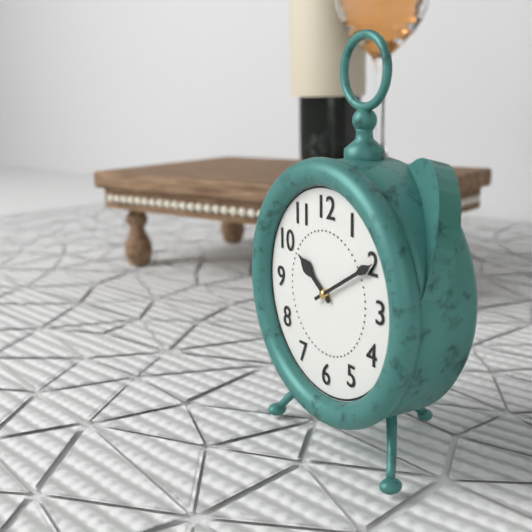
10:10
